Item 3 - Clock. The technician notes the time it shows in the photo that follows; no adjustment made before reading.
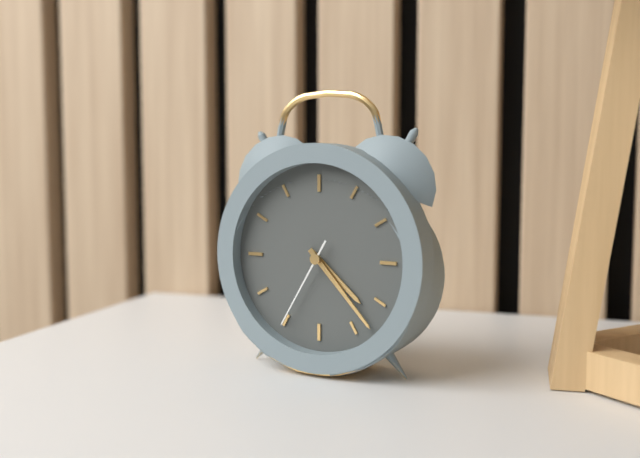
4:23:35
